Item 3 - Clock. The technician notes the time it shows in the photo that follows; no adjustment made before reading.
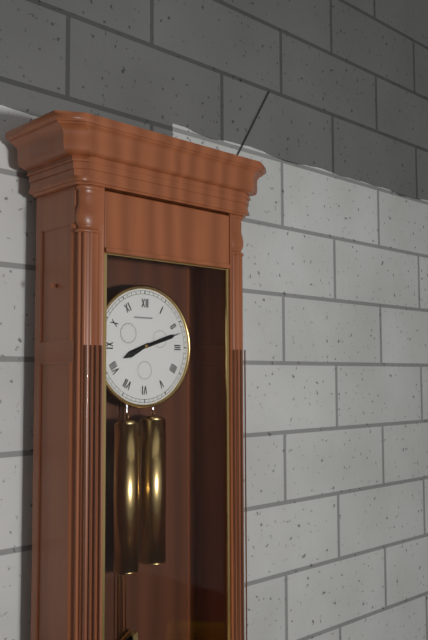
8:12
